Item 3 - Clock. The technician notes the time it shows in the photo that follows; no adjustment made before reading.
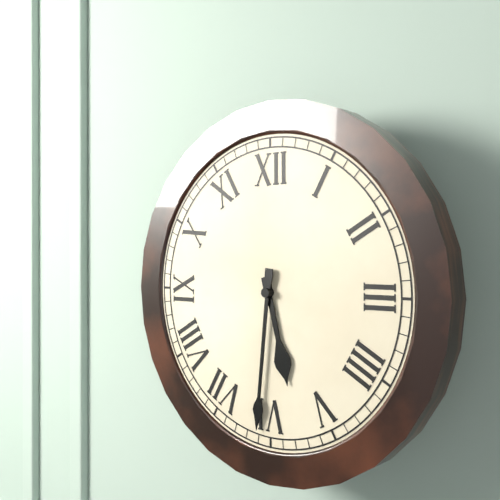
5:31
